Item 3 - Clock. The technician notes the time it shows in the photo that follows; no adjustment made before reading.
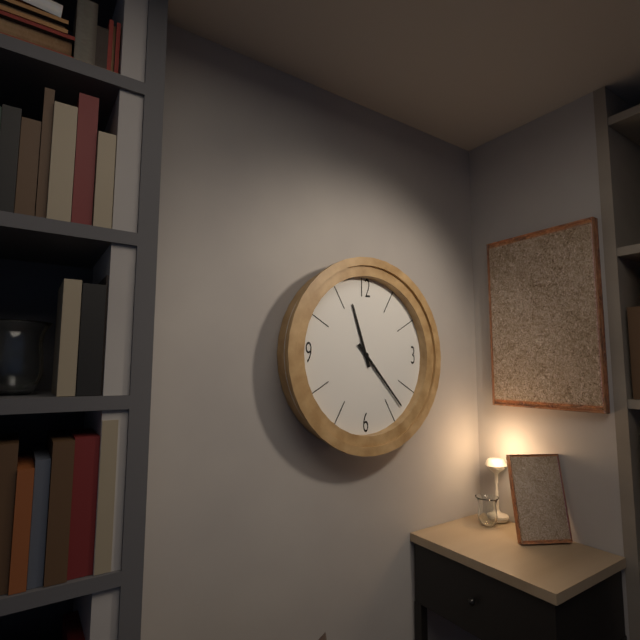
11:23
